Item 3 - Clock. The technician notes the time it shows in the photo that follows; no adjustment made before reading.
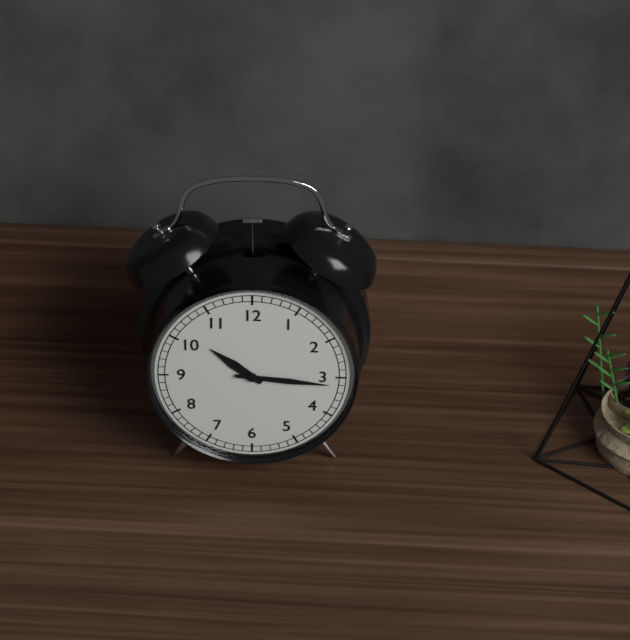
10:16
